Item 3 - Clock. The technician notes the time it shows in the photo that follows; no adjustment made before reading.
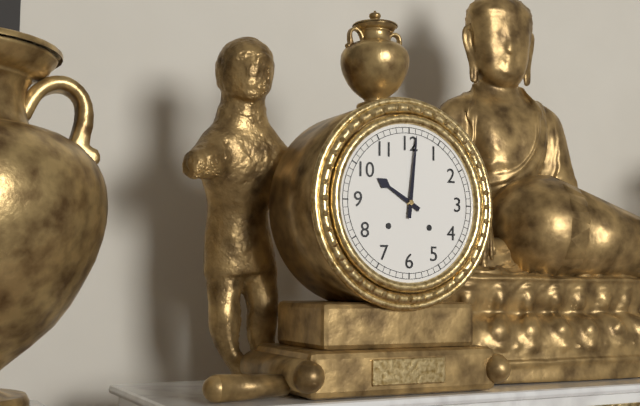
10:01
